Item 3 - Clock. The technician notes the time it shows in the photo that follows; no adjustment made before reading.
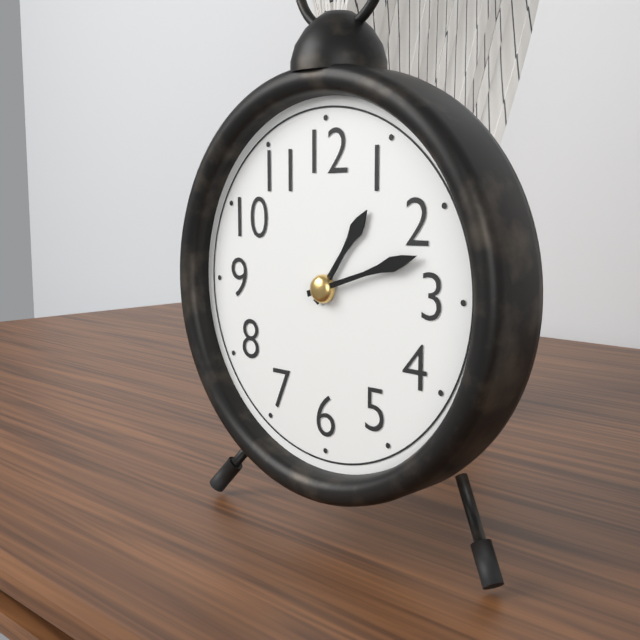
1:12
